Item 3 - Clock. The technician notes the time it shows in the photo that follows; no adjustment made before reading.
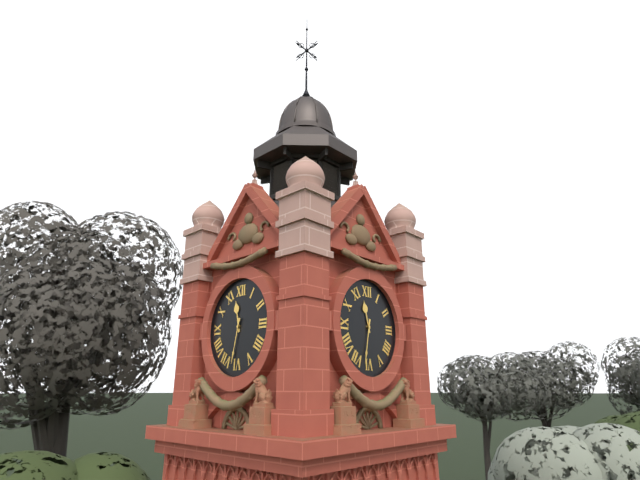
11:32
